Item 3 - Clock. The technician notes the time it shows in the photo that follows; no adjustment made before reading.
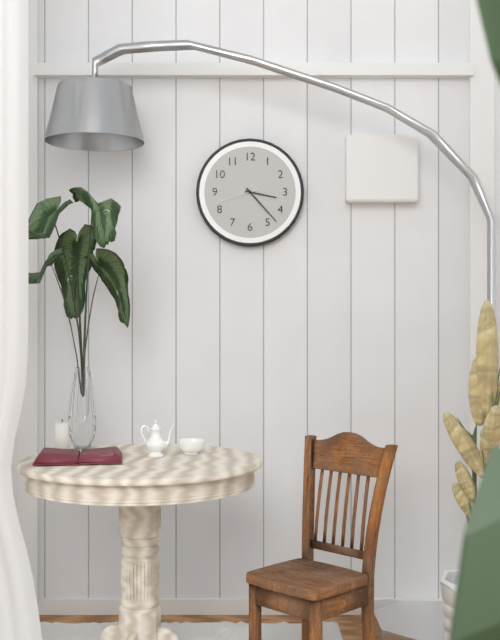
3:23
